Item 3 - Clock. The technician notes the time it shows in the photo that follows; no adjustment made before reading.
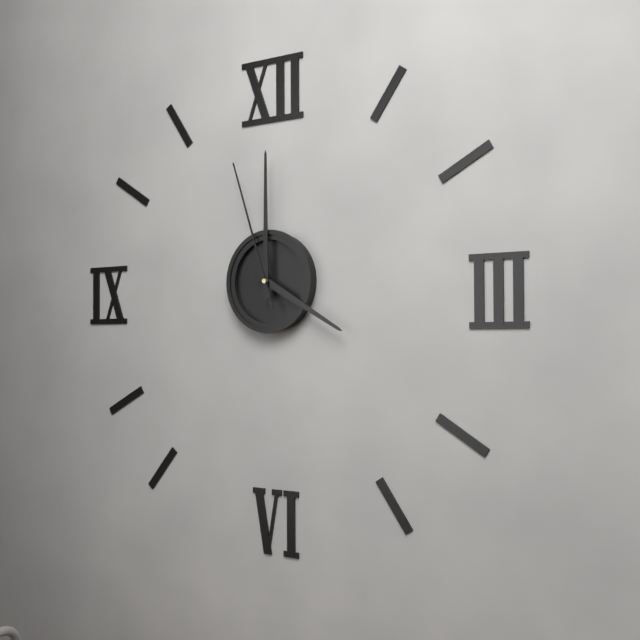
4:00:57
